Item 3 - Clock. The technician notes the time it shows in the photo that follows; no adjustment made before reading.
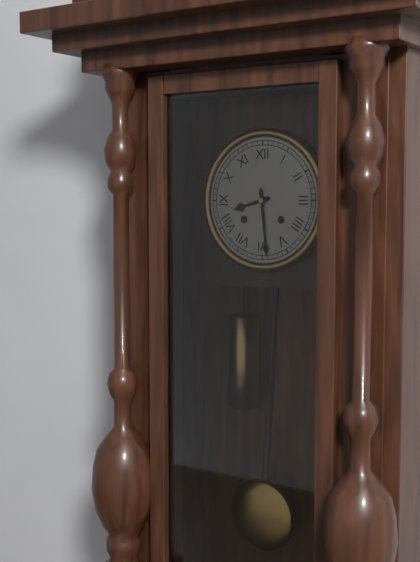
8:29
